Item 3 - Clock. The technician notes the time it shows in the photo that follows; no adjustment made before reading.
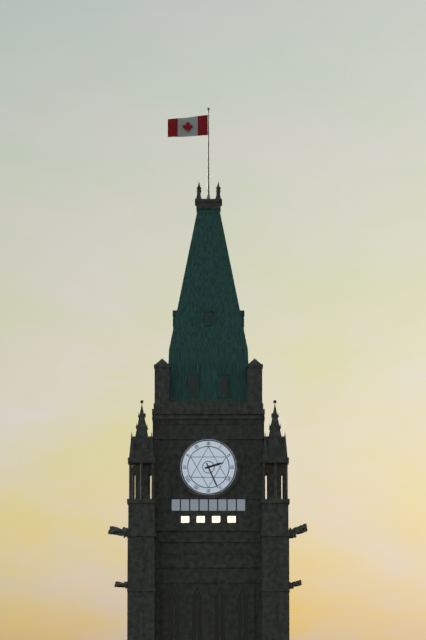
2:26
